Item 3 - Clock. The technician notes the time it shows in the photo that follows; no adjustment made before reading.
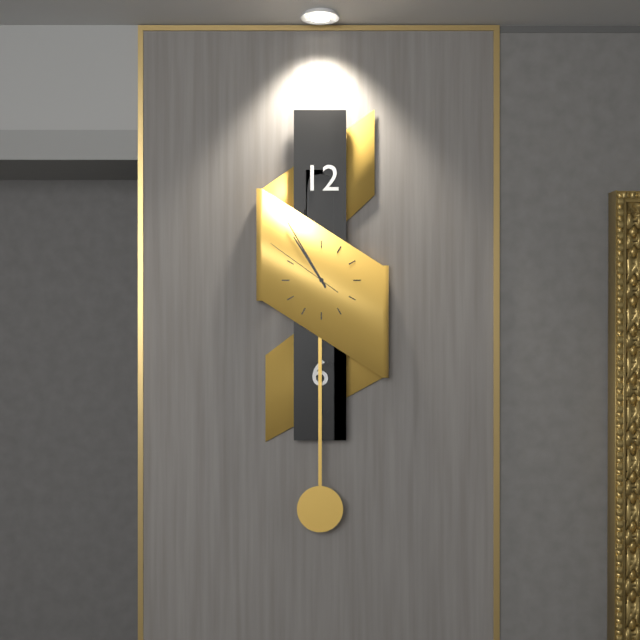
10:55:51
